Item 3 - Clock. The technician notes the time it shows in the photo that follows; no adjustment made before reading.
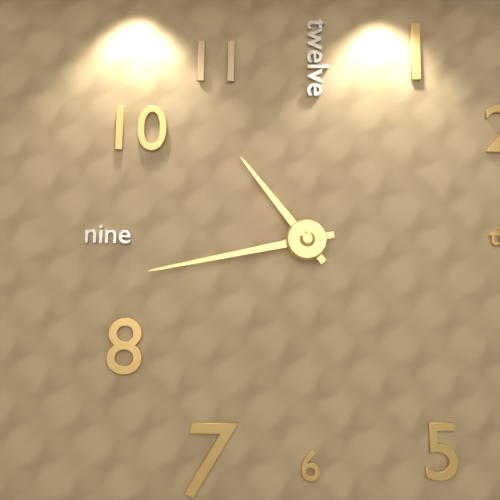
10:43
